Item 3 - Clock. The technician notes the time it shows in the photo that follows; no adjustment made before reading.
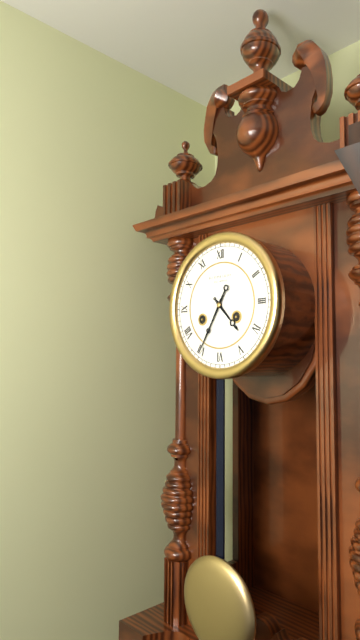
4:35
